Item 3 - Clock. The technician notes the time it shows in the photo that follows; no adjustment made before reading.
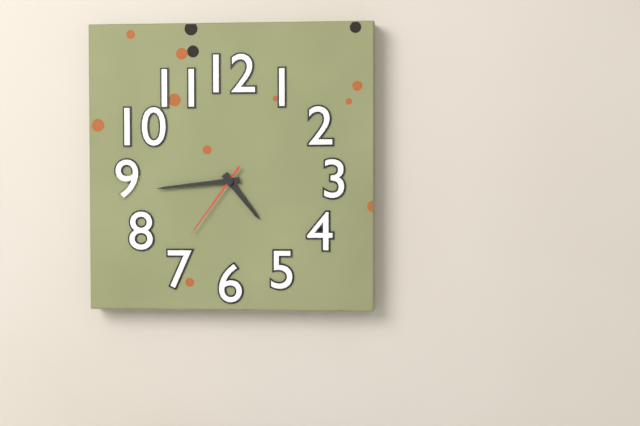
4:44:36
